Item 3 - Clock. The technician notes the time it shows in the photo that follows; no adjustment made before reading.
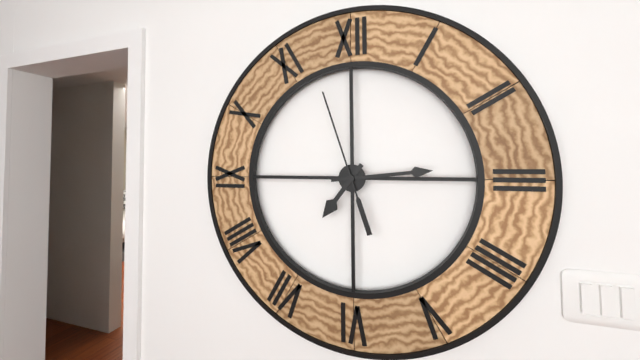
7:14:57
